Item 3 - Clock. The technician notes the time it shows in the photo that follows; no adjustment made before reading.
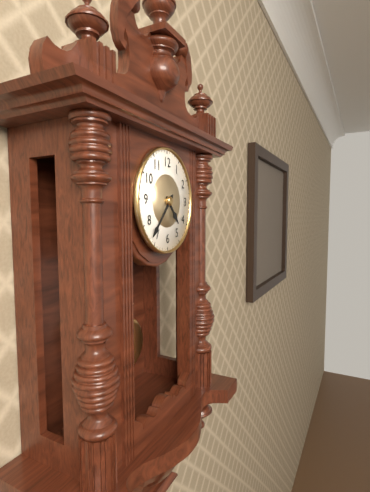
4:37
